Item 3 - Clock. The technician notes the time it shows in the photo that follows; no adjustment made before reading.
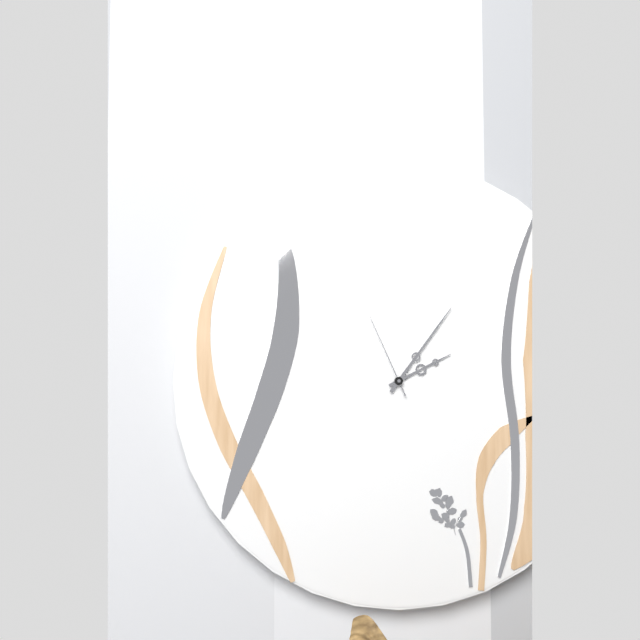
2:06:56
